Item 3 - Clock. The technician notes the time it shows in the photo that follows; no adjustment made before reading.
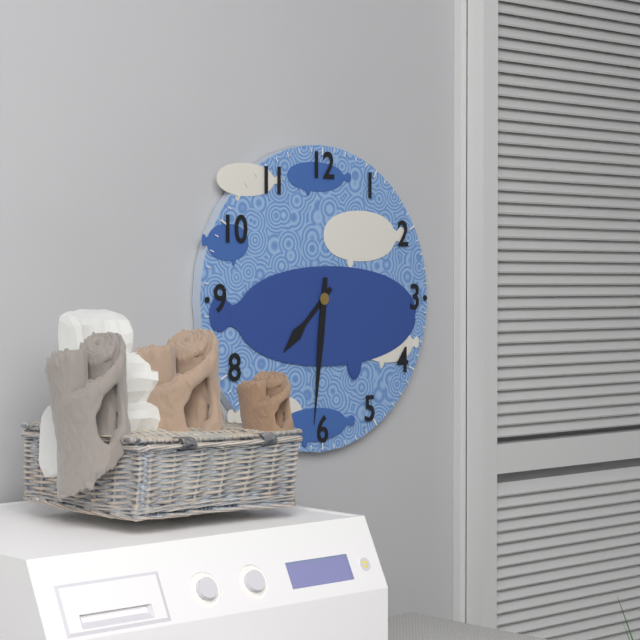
7:31
